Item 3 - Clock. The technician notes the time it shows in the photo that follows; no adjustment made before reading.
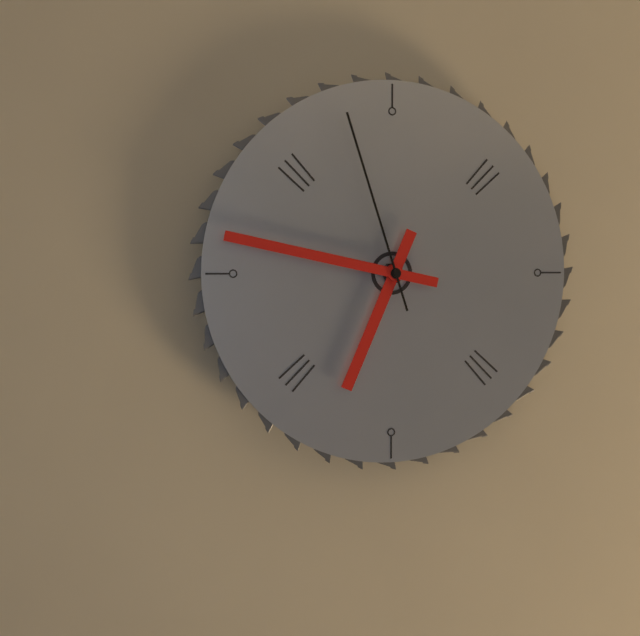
6:47:57
